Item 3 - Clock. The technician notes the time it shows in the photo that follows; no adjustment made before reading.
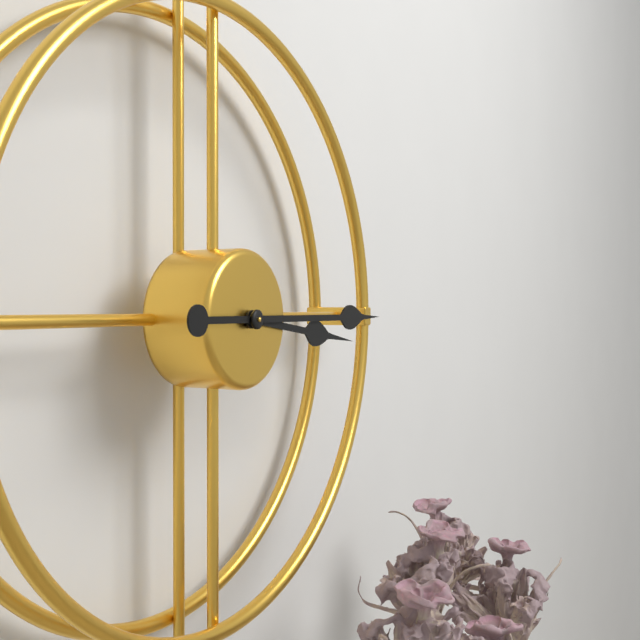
3:15
